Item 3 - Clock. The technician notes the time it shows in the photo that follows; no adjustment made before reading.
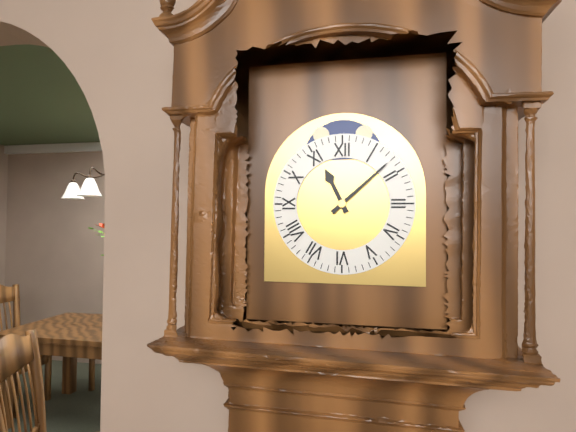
11:08
